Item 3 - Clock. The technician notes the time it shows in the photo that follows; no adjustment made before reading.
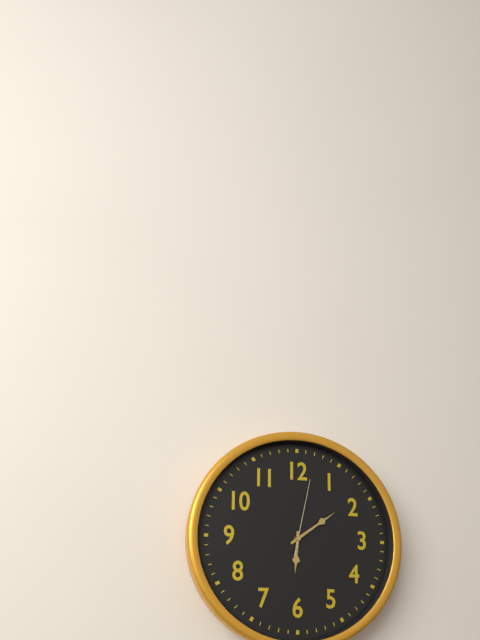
6:09:02
